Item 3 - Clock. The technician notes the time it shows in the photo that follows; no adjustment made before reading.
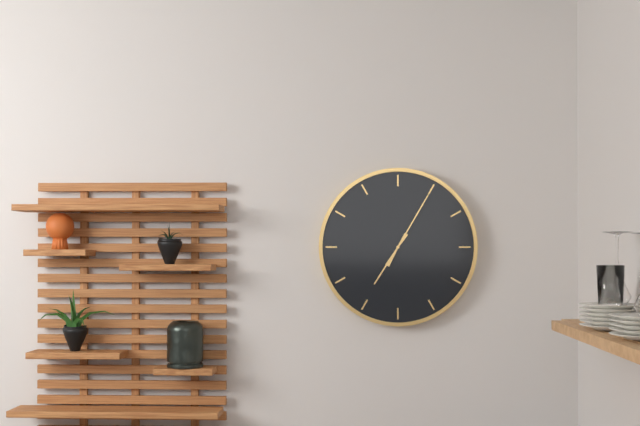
7:05
